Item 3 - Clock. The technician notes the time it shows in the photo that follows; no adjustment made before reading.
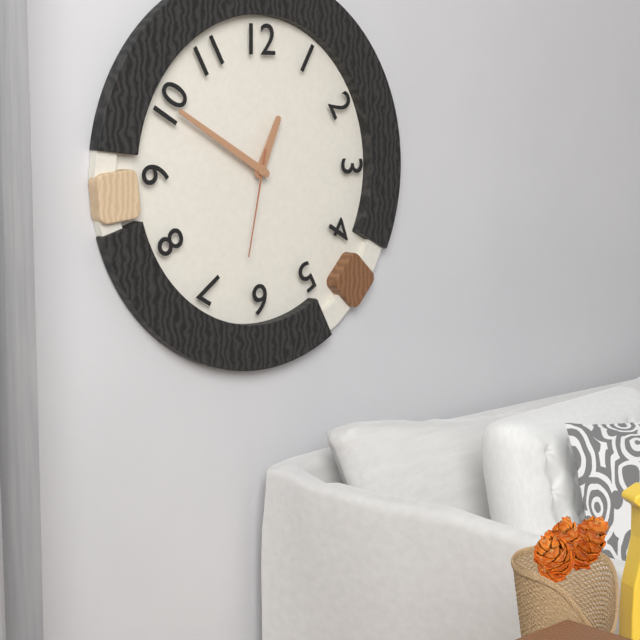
12:50:32
